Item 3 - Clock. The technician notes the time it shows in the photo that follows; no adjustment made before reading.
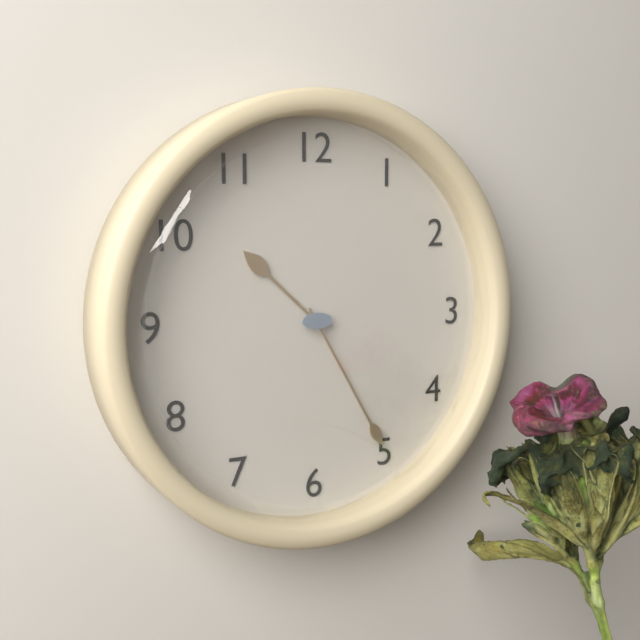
10:25
